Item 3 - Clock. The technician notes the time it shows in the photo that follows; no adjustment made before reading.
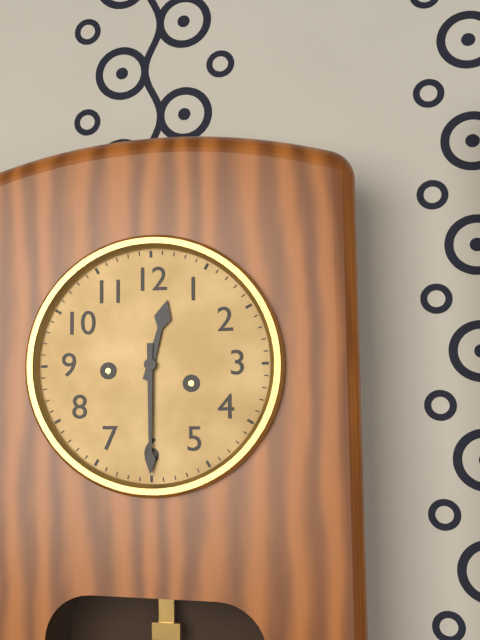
12:30
